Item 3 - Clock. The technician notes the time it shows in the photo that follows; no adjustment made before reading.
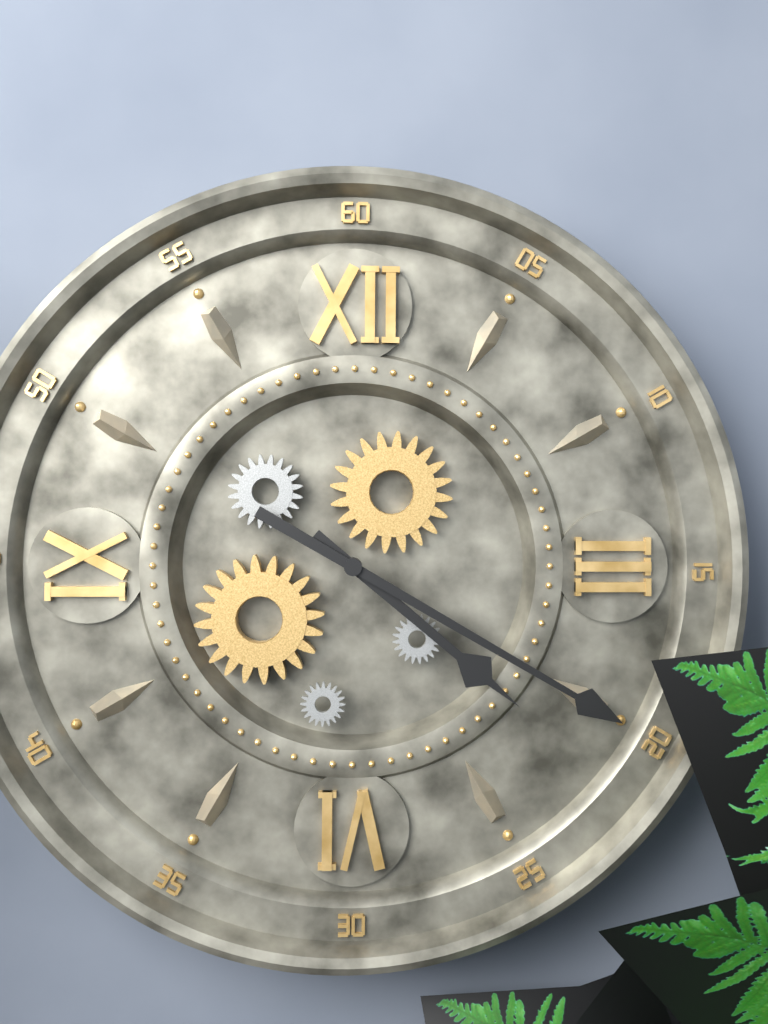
4:20
